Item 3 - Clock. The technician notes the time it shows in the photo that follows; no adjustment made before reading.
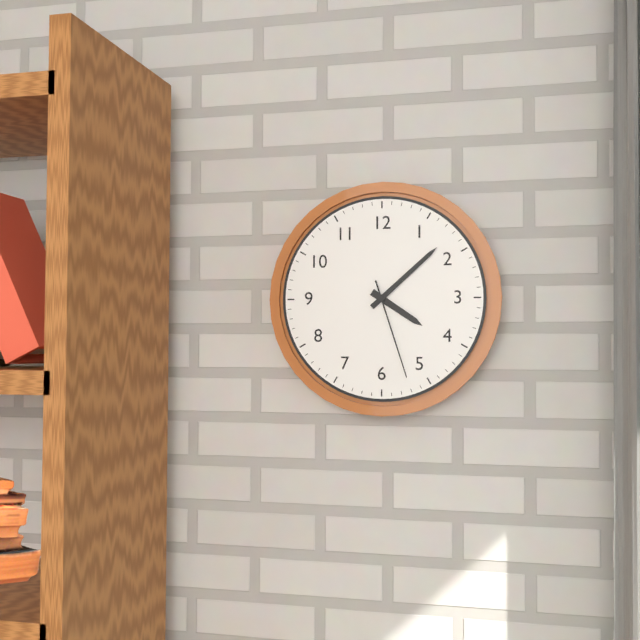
4:08:27
